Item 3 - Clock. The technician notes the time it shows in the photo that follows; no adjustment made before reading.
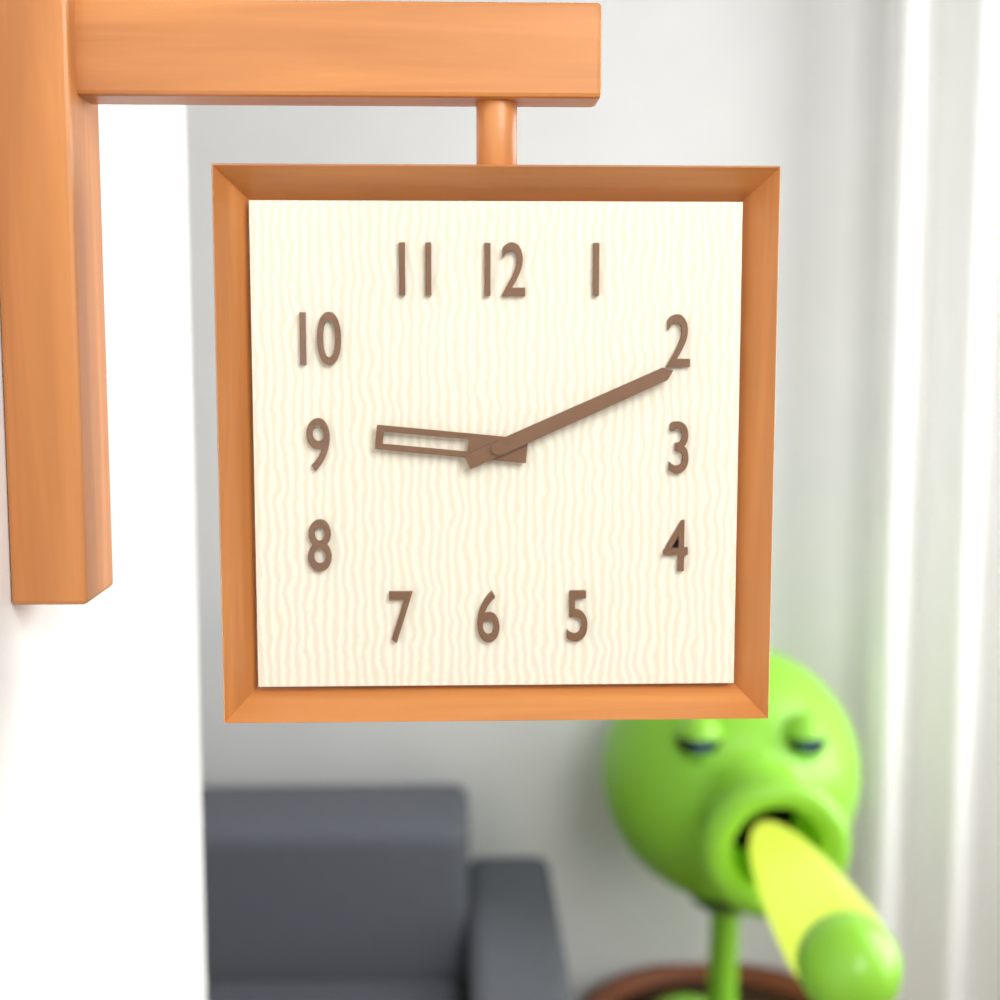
9:11
